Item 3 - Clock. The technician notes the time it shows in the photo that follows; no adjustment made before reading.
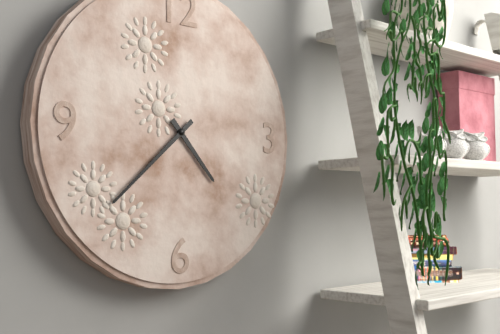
4:38
